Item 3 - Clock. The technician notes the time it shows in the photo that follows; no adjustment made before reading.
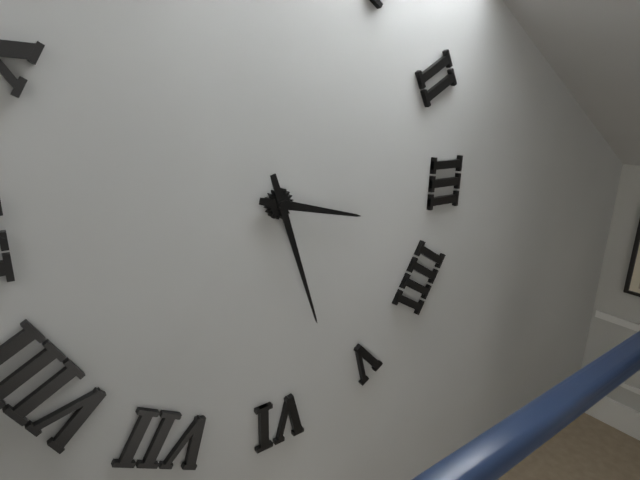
3:27
